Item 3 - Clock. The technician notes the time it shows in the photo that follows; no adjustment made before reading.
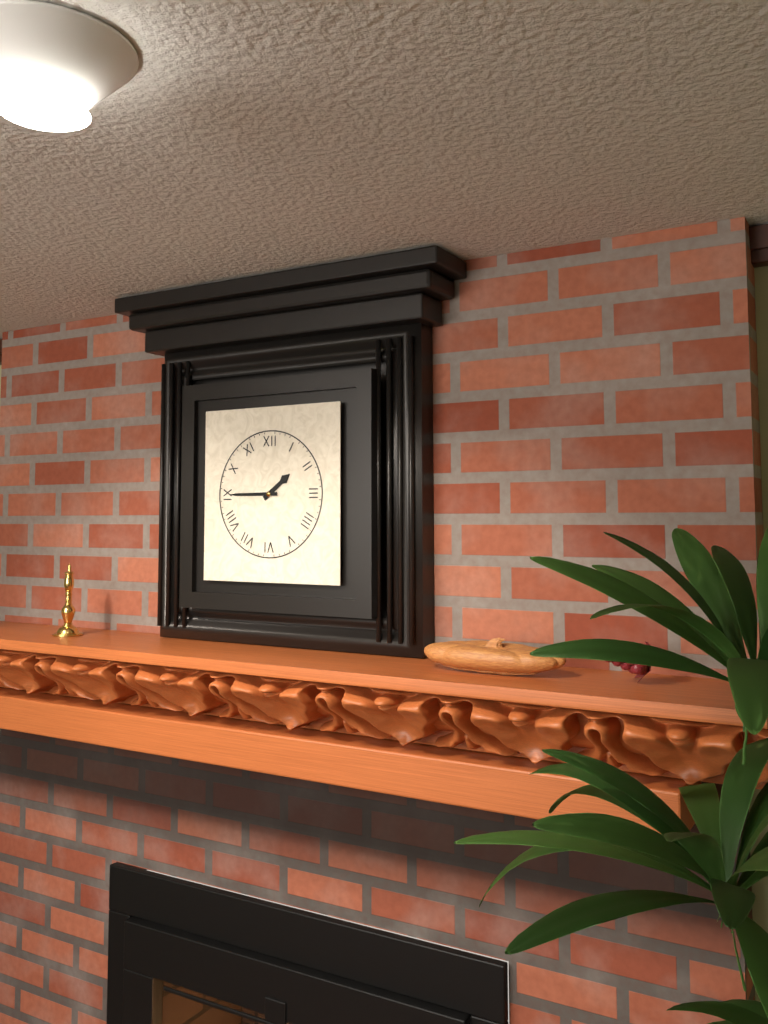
1:45
